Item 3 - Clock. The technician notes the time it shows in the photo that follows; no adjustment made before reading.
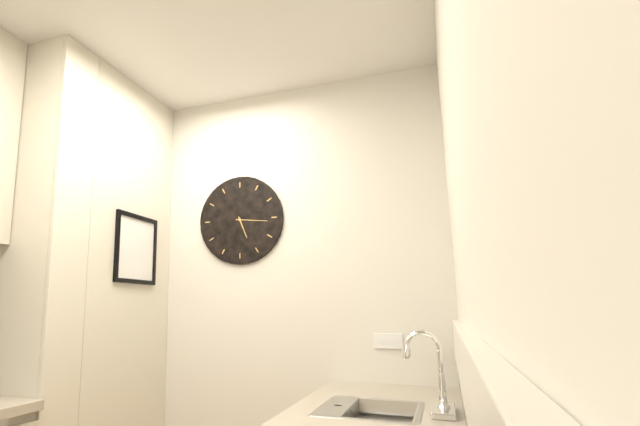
5:16
